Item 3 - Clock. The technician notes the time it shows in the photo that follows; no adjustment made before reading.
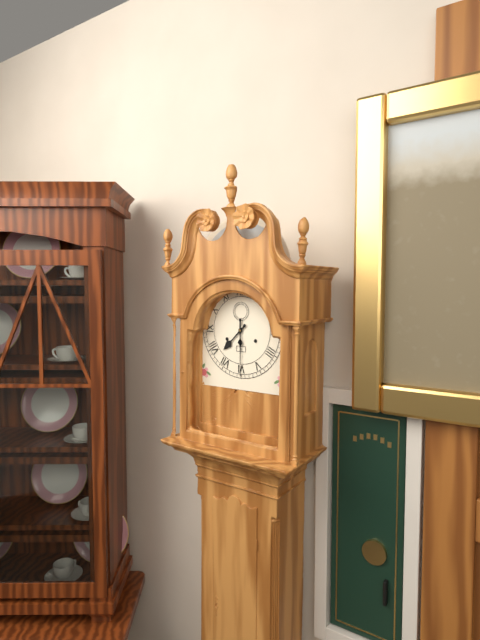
7:30
